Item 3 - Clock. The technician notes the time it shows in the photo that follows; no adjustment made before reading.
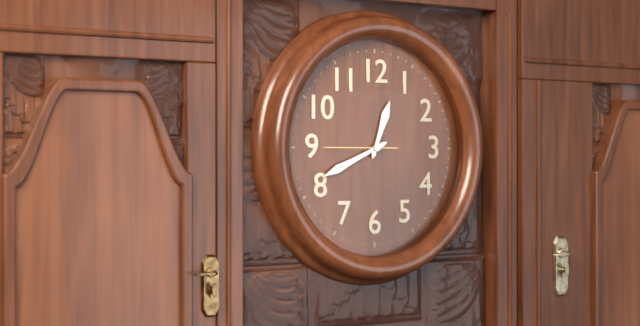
12:41:45
